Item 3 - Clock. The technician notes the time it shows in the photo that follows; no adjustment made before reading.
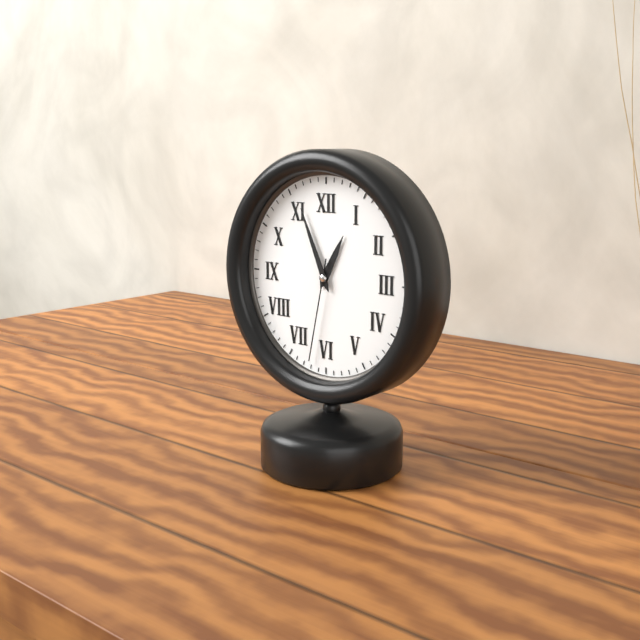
12:56:32
